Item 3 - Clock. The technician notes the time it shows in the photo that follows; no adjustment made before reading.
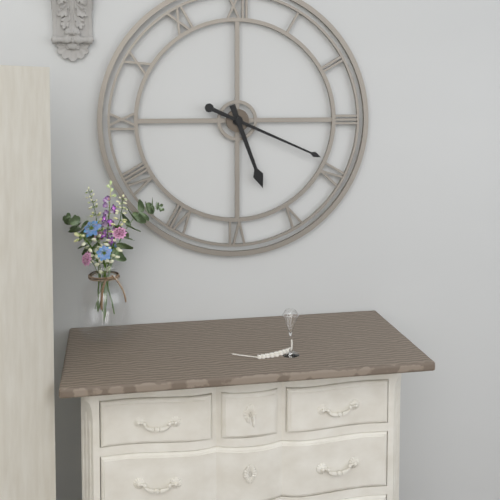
5:19
